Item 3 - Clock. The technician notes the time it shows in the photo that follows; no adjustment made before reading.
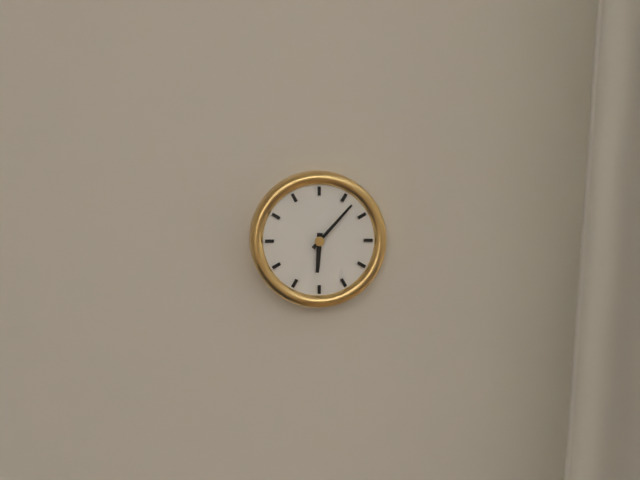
6:07
